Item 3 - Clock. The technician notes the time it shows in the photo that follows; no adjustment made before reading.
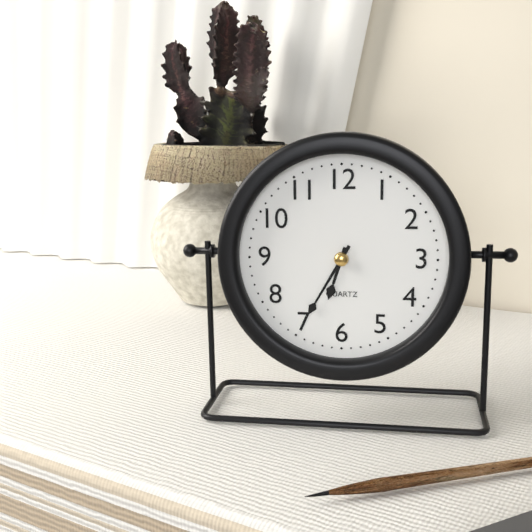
6:35
